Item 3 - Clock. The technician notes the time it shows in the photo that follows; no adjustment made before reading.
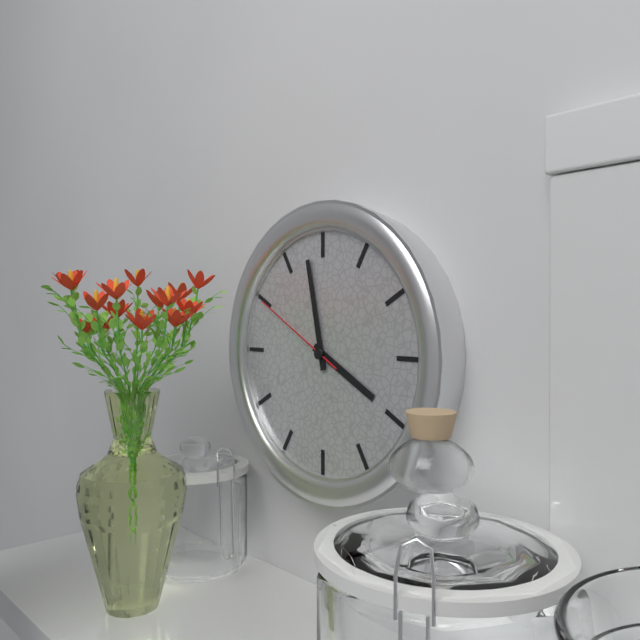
3:58:50
